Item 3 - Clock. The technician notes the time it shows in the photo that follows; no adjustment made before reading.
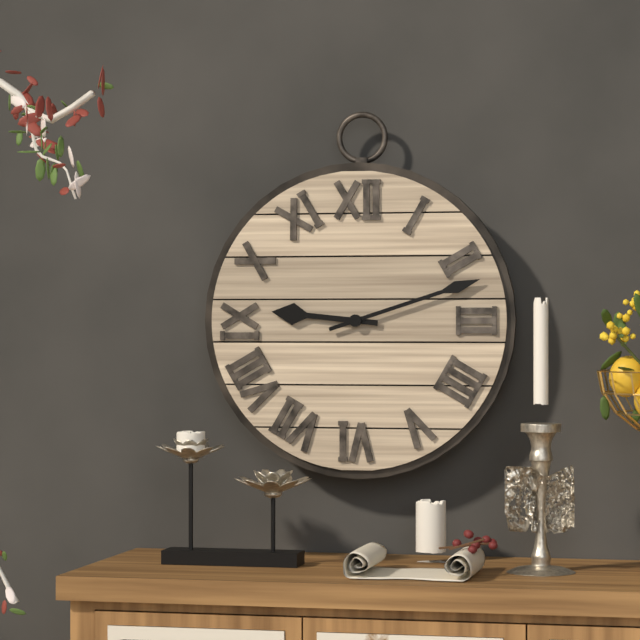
9:12
